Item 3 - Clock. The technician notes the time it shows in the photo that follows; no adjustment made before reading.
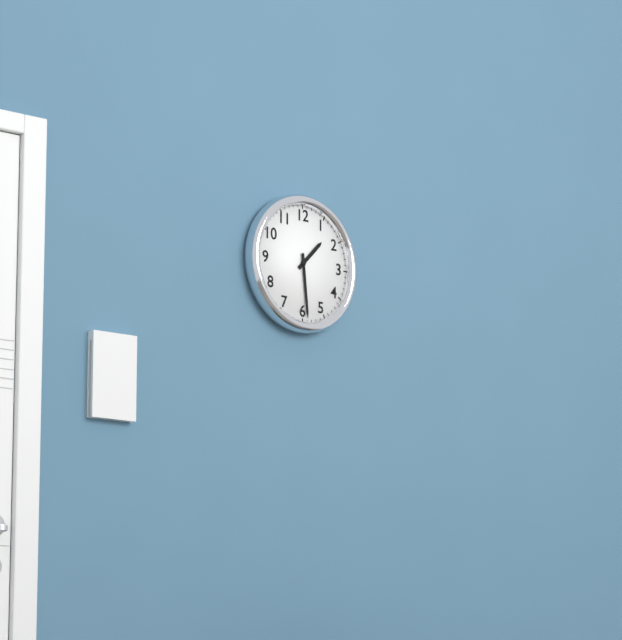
1:29
